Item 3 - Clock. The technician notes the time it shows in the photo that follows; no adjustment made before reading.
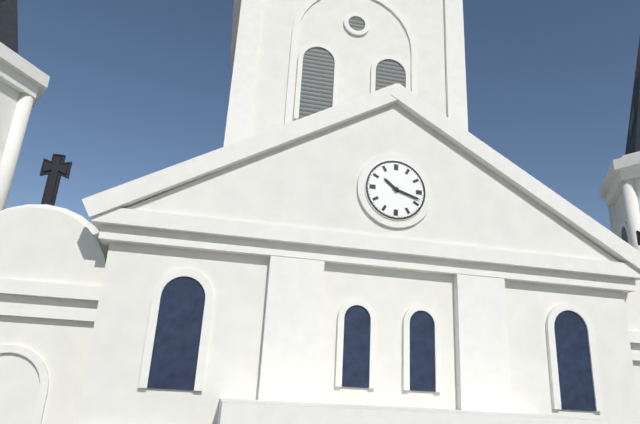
10:18
